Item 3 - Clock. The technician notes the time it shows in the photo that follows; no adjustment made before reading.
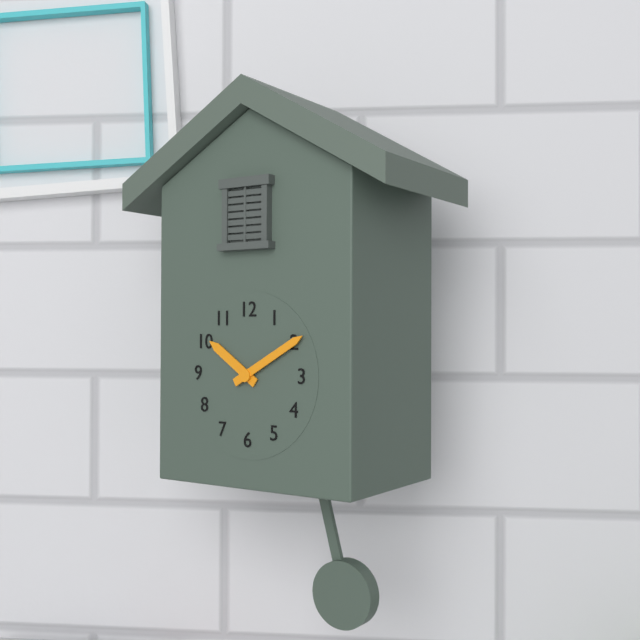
10:10
